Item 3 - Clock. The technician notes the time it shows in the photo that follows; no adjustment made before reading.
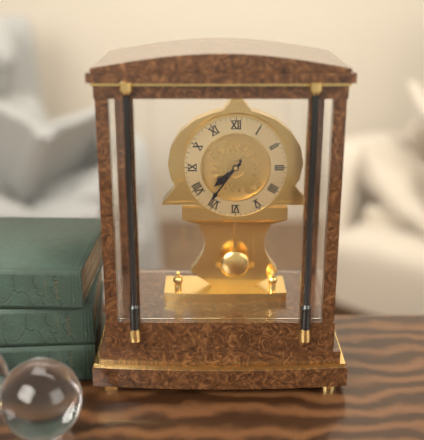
7:36
